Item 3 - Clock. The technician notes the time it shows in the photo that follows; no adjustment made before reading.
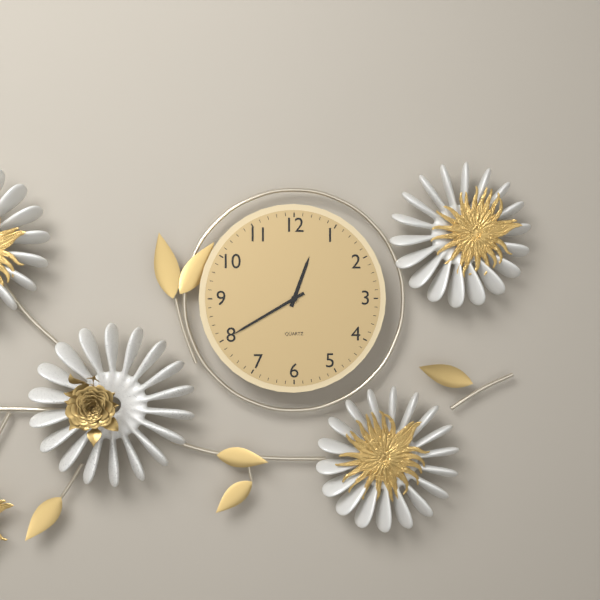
12:40
